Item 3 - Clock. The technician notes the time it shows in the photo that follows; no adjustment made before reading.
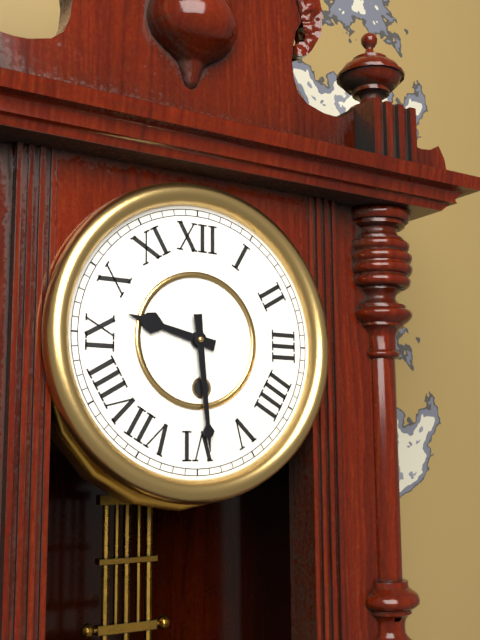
9:29
